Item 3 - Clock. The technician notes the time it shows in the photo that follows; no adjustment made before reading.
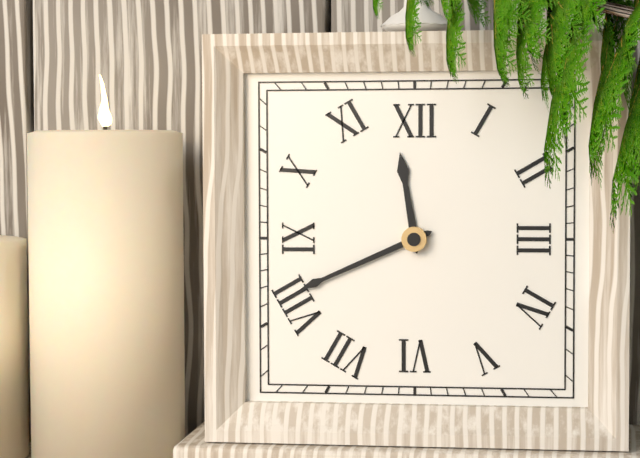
11:41
